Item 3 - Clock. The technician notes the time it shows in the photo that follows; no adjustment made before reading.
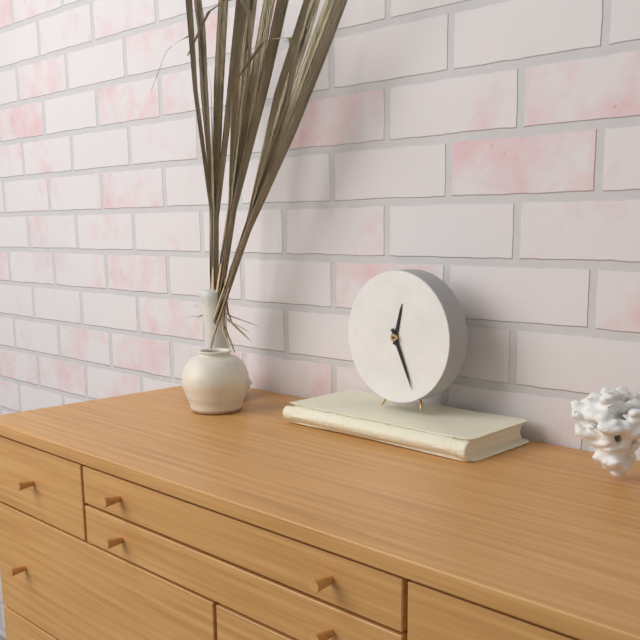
12:26
